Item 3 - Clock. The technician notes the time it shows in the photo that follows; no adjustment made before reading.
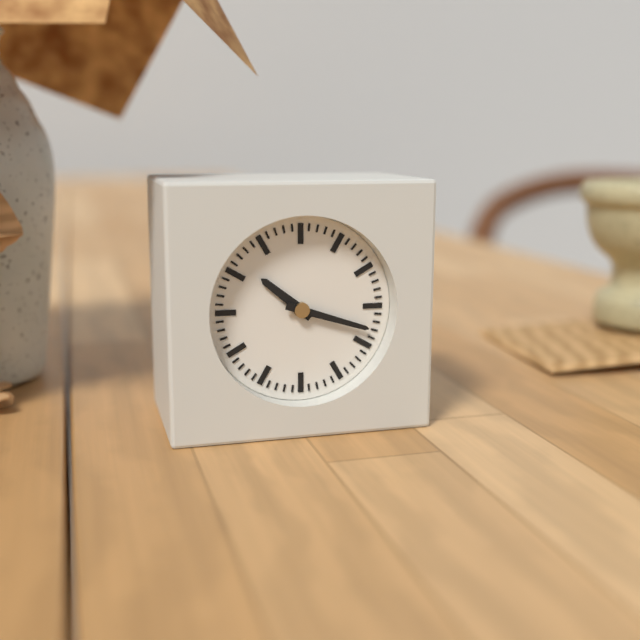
10:18
